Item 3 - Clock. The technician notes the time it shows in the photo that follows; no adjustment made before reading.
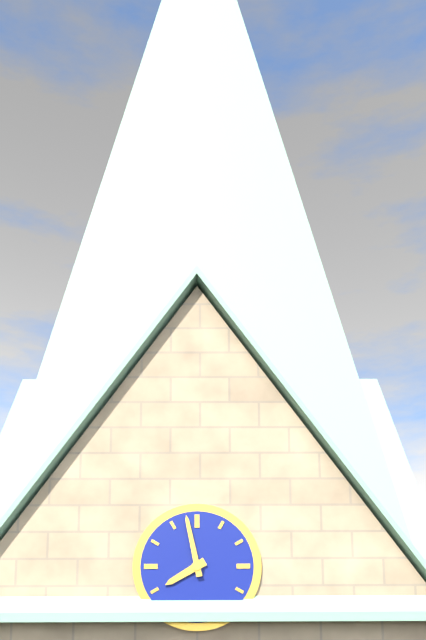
7:58
